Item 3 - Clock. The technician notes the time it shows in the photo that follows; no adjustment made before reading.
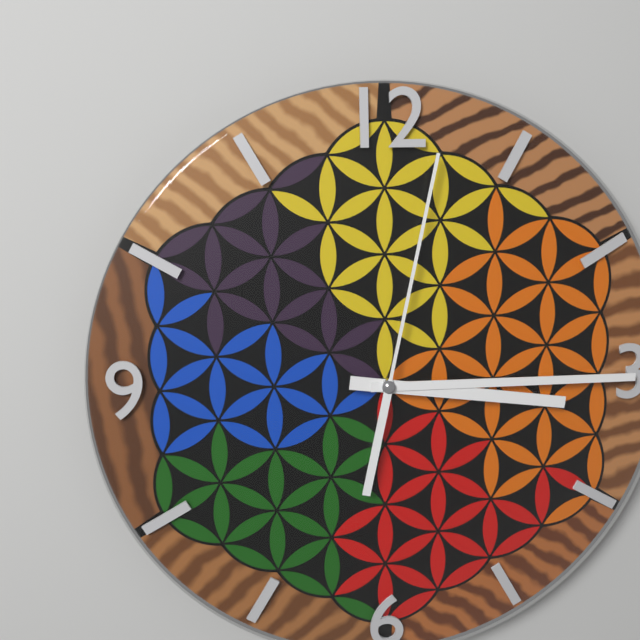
3:15:02
